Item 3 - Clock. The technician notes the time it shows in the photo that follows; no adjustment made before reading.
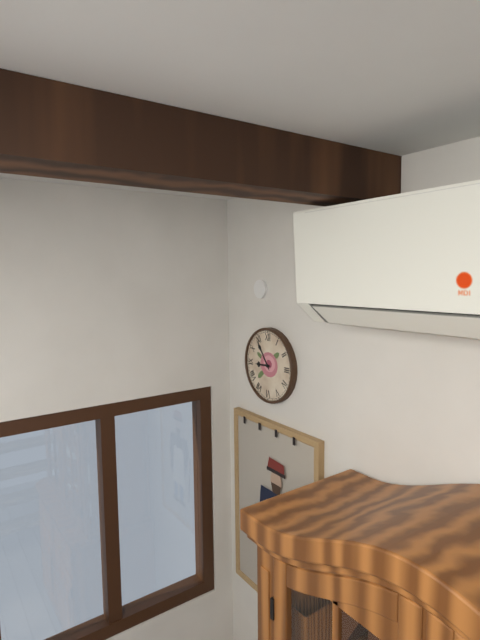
8:54
